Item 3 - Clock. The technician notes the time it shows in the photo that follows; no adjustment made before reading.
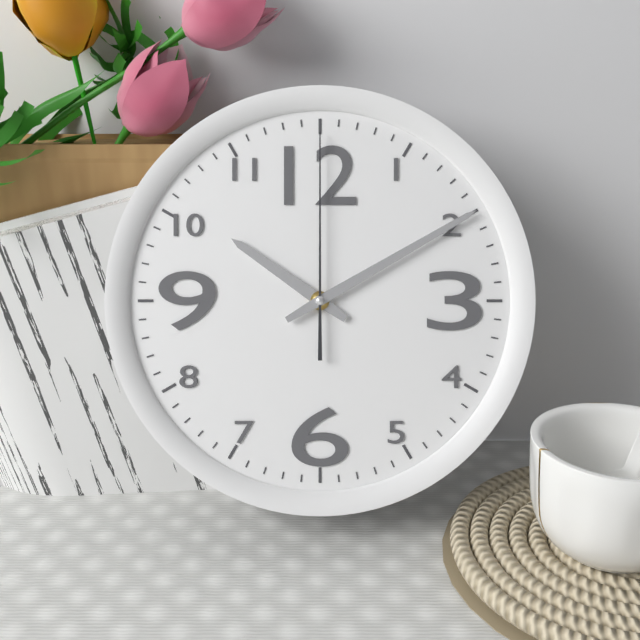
10:10:00
